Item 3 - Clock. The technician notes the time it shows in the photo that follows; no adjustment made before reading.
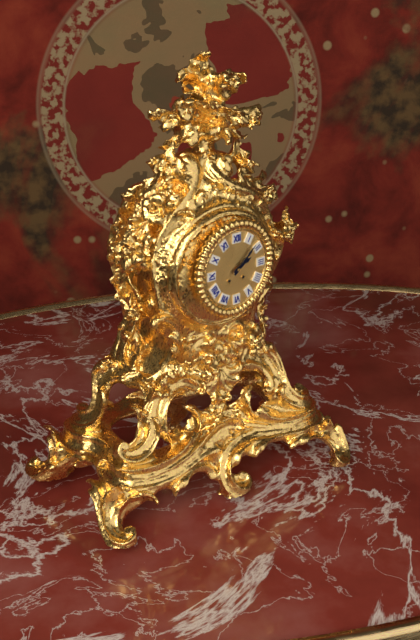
2:08
